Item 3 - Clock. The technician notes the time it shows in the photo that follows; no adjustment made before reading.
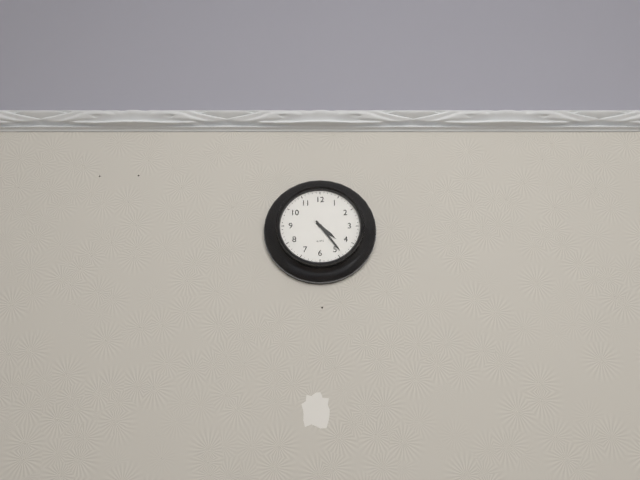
4:24
